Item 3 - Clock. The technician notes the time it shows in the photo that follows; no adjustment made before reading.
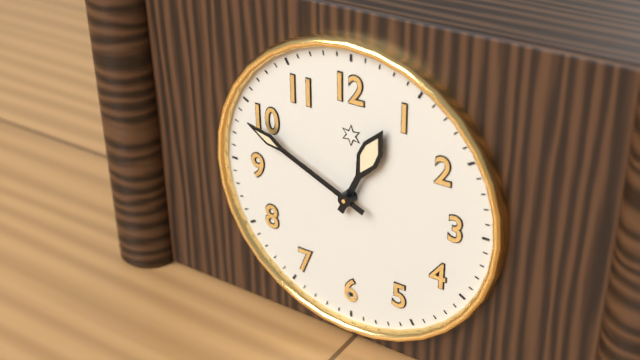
12:49
